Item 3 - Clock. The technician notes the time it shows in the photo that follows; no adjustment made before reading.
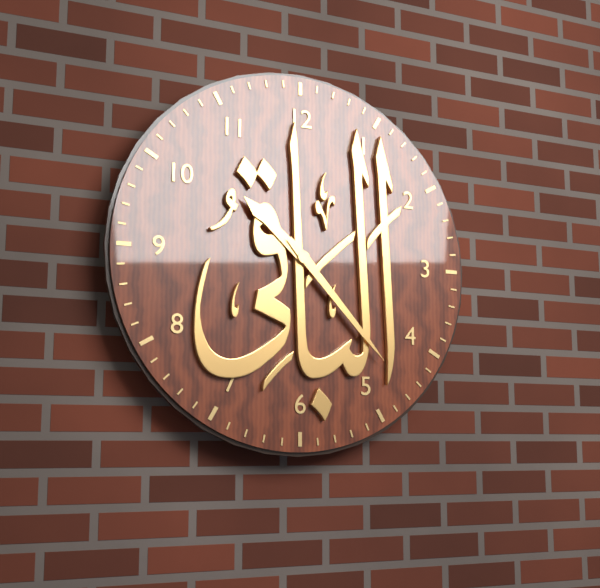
10:23
